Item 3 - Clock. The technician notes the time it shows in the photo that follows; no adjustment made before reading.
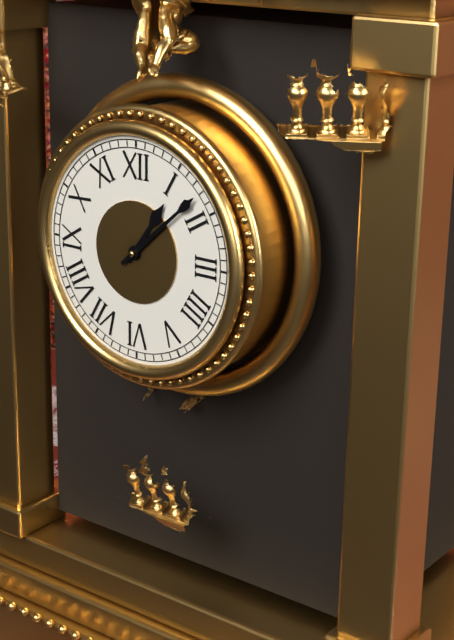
1:08
